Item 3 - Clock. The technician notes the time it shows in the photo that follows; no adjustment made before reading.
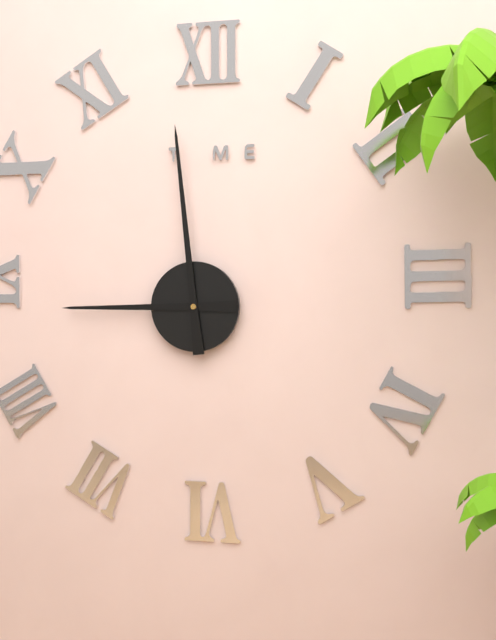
8:59
